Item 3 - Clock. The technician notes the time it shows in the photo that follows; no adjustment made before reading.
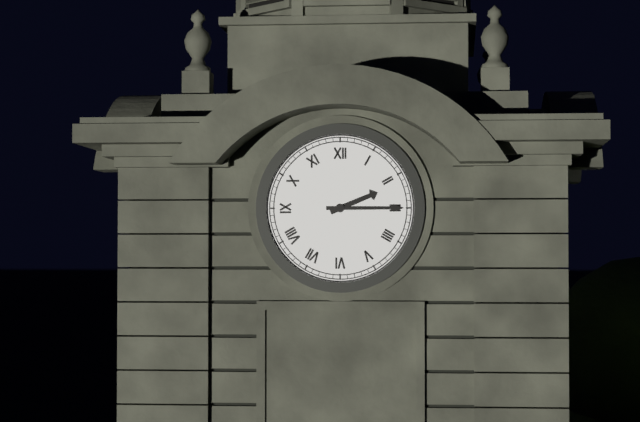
2:15
